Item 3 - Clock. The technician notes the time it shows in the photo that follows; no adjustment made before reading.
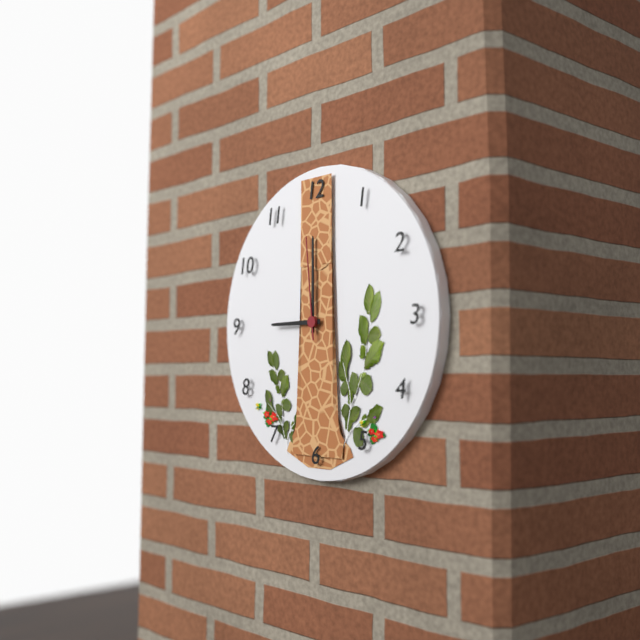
9:00:59
